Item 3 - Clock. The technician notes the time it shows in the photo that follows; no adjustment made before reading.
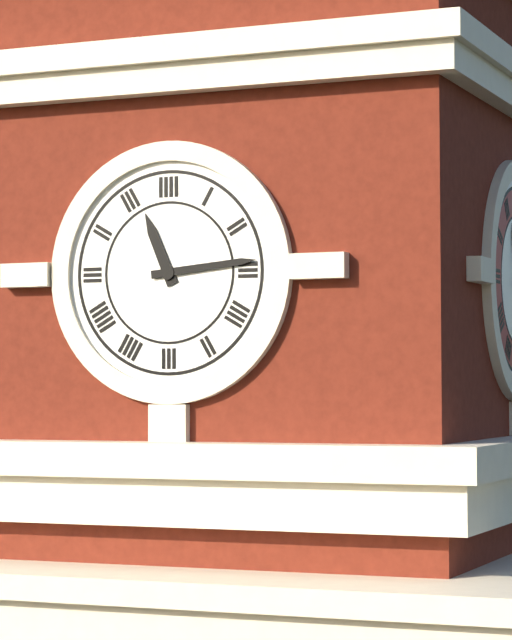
11:14
